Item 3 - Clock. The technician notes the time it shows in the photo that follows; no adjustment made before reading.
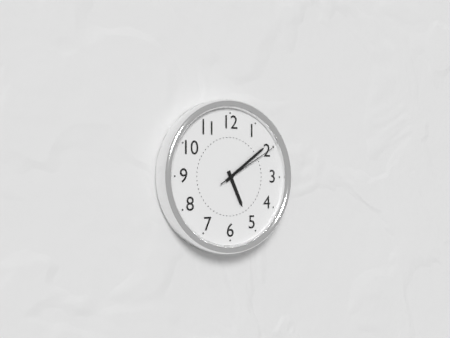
5:09:10
